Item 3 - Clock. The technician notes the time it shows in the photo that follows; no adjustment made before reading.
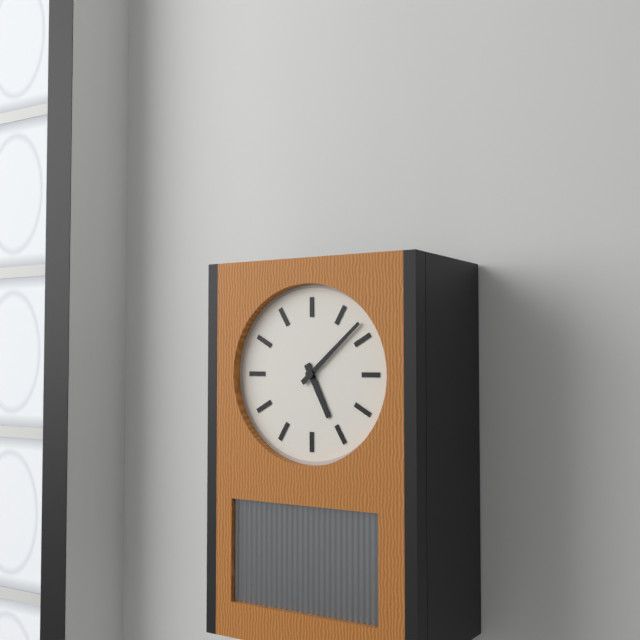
5:08
